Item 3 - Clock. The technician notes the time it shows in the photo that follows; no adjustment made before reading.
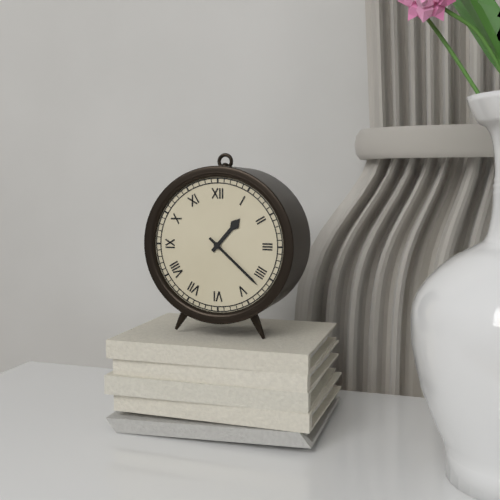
1:22
